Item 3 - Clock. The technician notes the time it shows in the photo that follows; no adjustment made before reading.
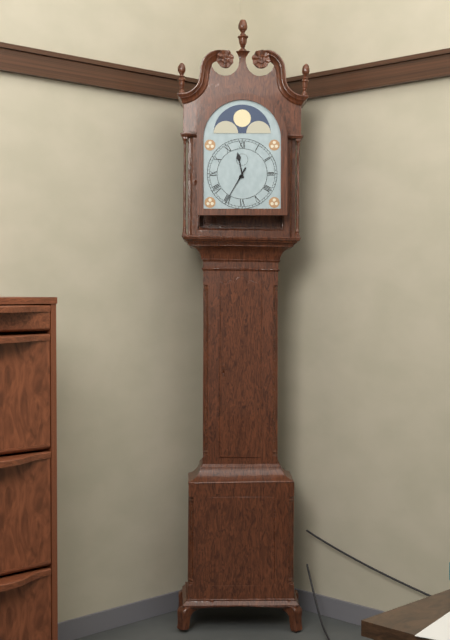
11:35
